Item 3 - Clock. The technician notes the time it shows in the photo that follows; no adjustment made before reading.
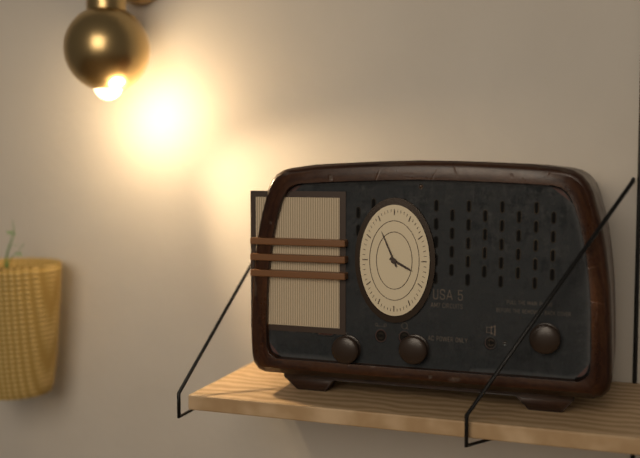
3:56
